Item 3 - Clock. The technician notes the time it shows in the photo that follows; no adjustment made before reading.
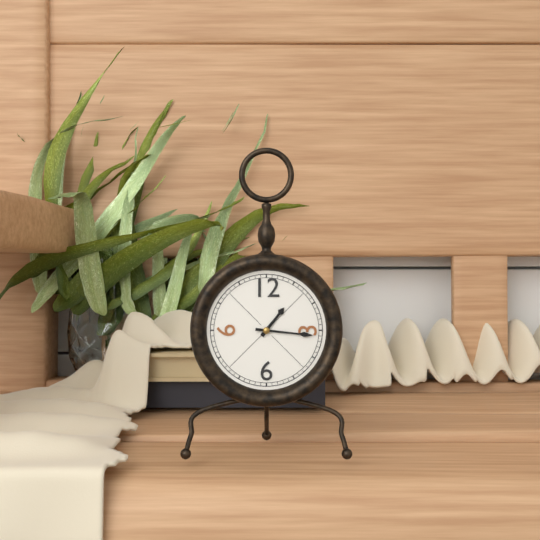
1:16
